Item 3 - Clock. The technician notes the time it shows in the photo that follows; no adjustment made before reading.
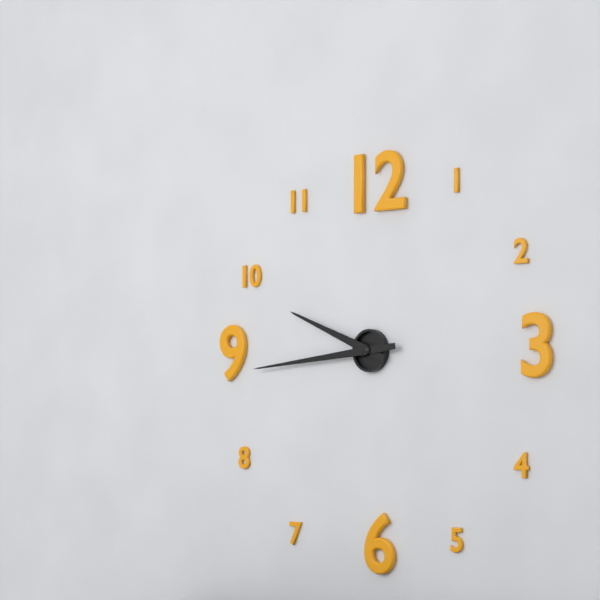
9:44
